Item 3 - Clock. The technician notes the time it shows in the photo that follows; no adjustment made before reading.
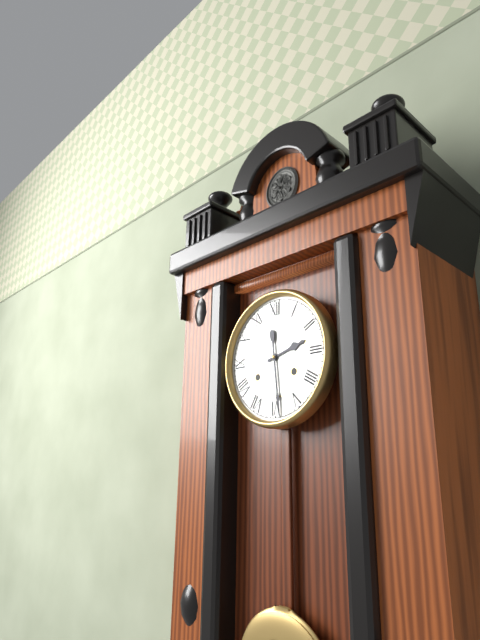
2:29
